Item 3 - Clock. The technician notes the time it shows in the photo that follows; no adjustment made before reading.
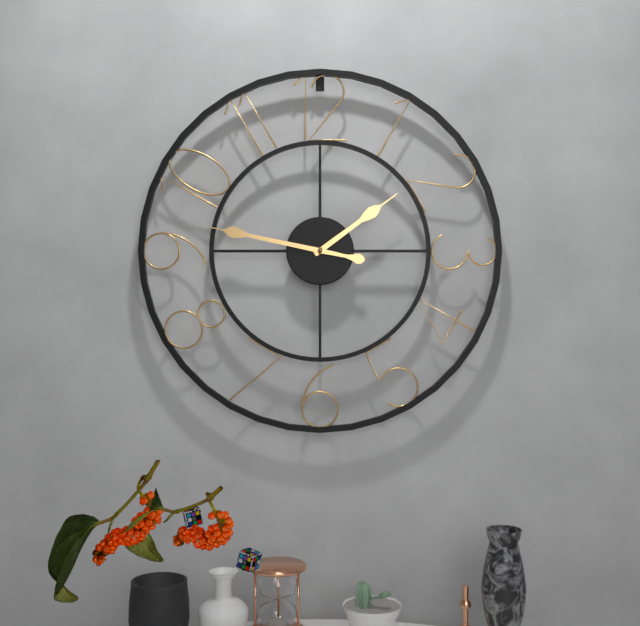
1:47
